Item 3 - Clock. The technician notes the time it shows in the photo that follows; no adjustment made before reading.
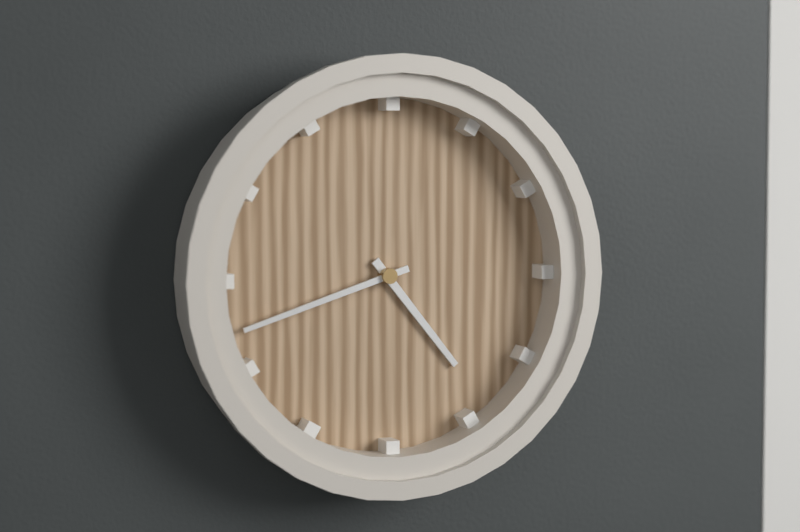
4:42
